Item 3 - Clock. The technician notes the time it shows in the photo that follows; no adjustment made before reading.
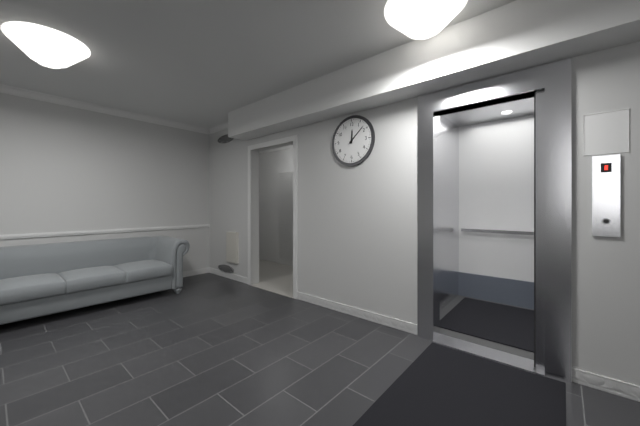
12:08
